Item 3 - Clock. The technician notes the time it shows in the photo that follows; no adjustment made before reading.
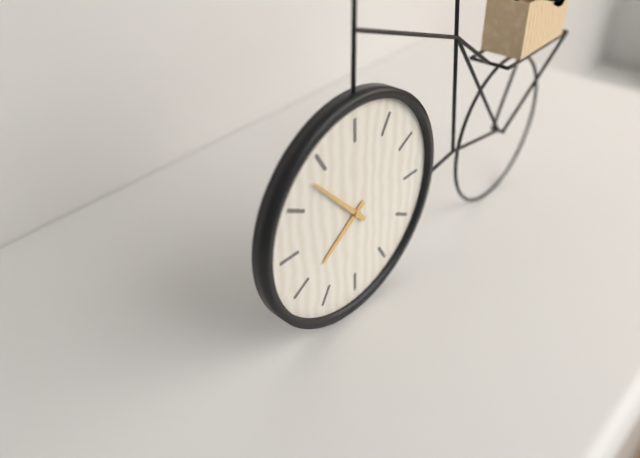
7:53
